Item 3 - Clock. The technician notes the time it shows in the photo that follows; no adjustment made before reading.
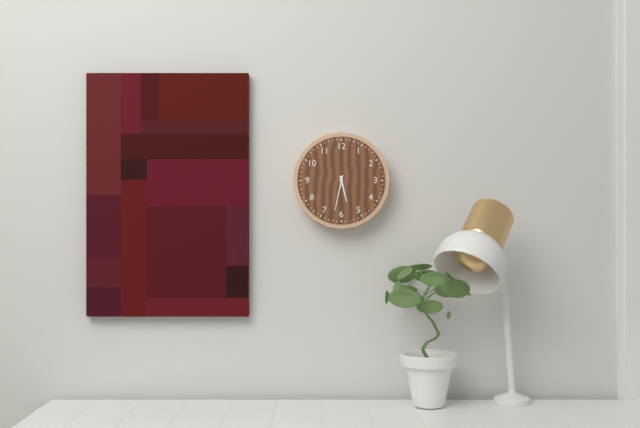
5:32
